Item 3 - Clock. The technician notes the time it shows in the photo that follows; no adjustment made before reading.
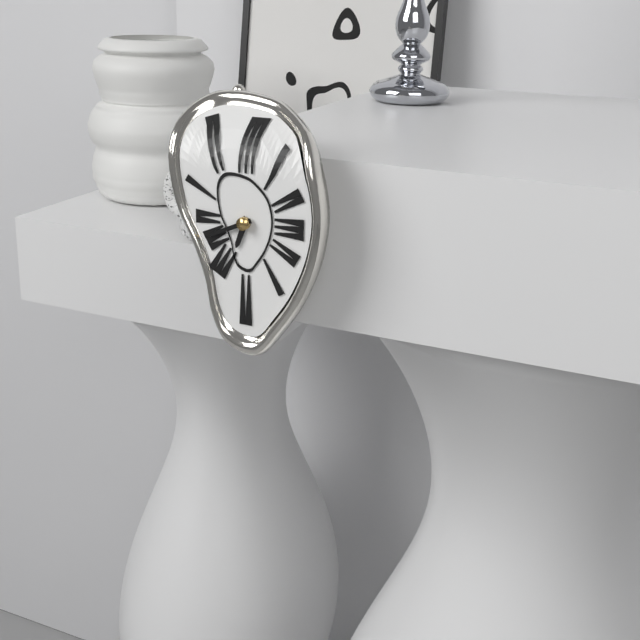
6:41
